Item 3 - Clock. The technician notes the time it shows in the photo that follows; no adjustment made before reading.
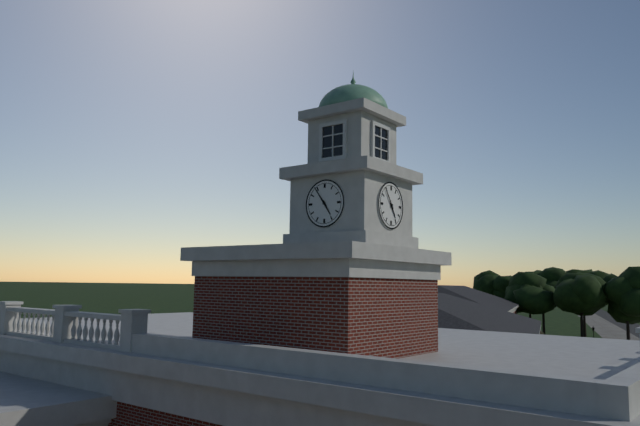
4:54
